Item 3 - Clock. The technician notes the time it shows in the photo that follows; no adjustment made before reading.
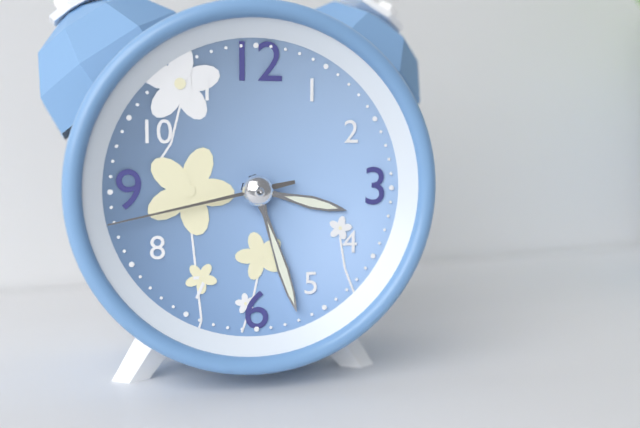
3:27:43
